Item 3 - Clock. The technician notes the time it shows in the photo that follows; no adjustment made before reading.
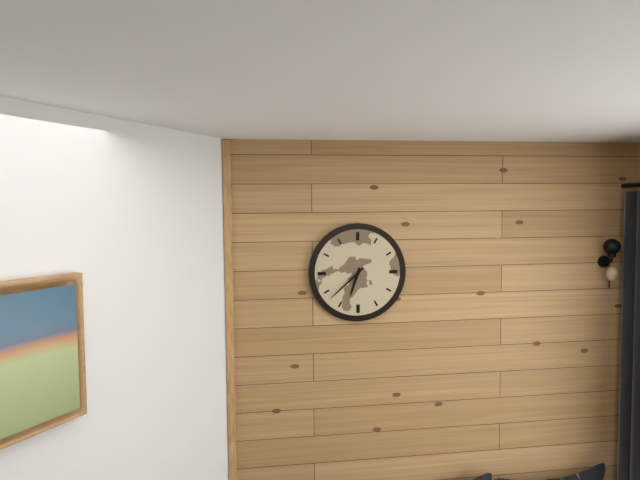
6:38
